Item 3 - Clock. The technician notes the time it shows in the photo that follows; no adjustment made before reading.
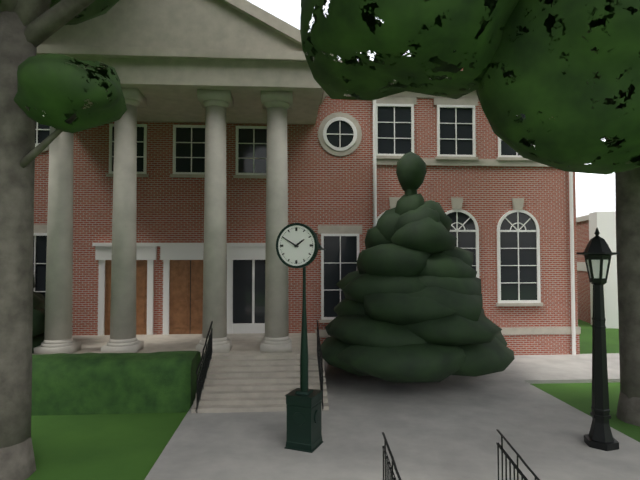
1:50
